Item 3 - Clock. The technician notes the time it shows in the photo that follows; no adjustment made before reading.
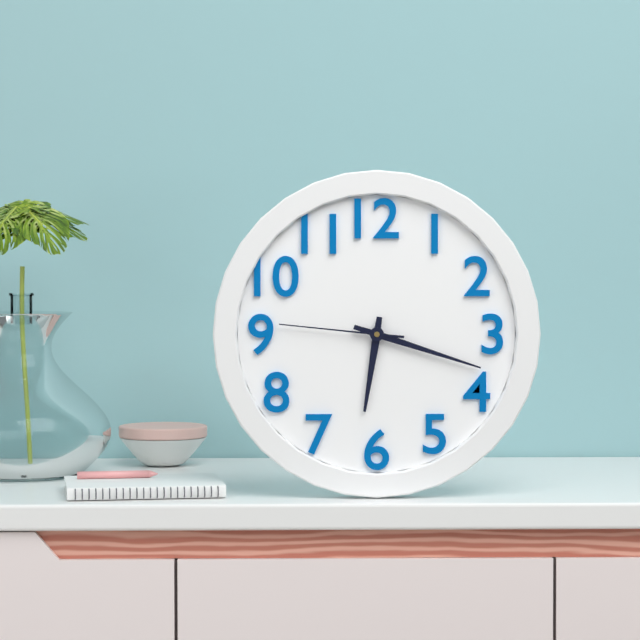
6:18:46
